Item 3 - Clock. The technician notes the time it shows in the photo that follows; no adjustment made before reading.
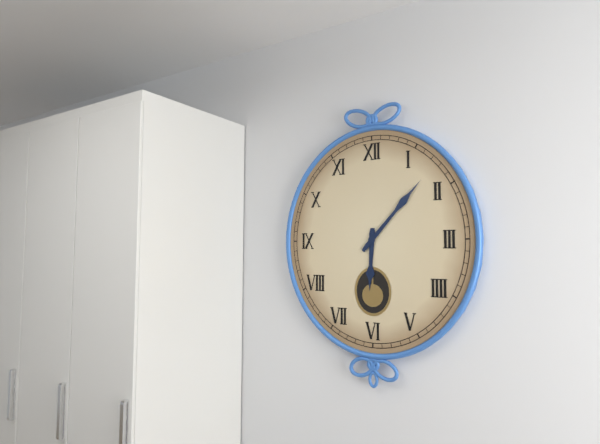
6:07
